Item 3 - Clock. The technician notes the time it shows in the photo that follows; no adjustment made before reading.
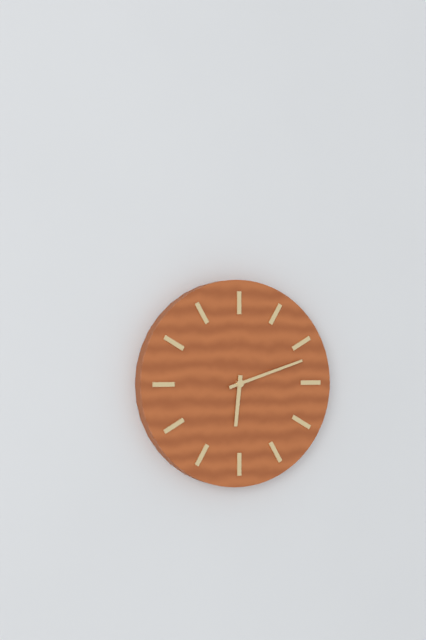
6:12
